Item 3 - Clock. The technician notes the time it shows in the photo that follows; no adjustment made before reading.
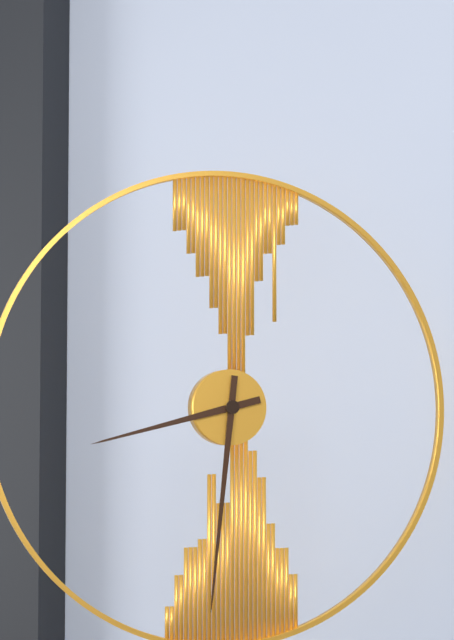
8:31
